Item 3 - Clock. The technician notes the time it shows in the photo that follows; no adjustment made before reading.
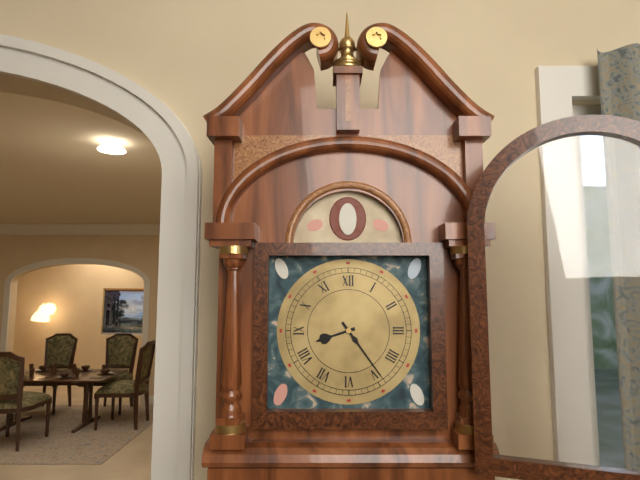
8:24
